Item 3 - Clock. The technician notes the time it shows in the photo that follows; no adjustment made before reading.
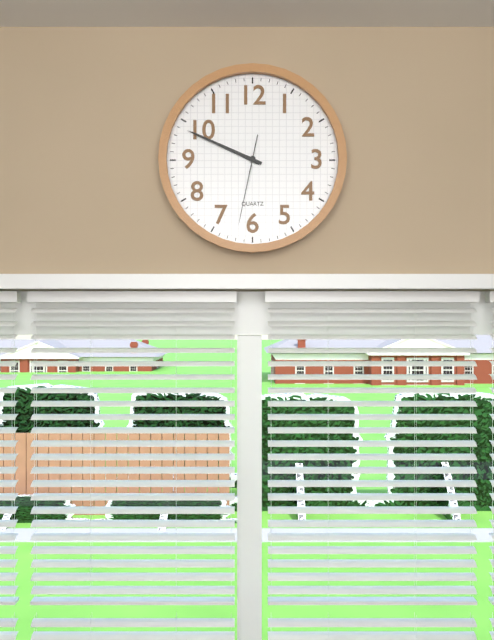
9:49:32
